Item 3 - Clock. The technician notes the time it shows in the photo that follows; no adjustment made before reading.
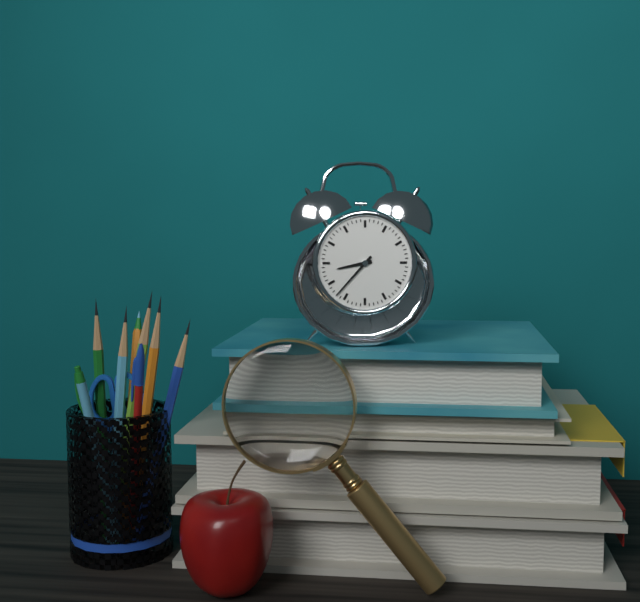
8:37
